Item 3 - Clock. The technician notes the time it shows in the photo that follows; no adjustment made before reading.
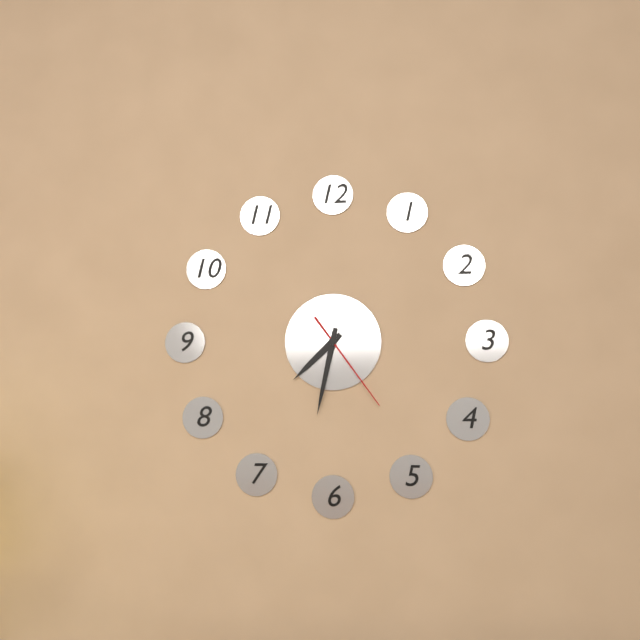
7:32:24
